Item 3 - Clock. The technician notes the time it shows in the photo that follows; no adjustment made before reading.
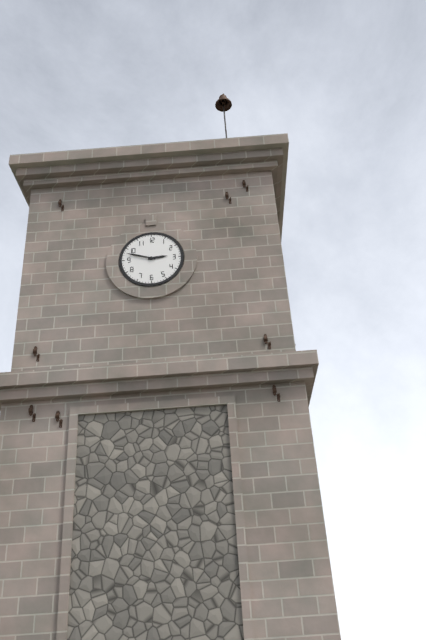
2:48
